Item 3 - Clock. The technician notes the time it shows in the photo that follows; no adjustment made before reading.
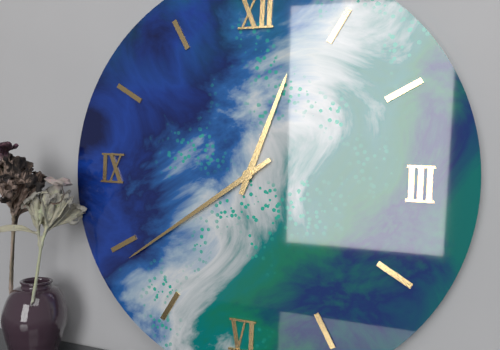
12:39
